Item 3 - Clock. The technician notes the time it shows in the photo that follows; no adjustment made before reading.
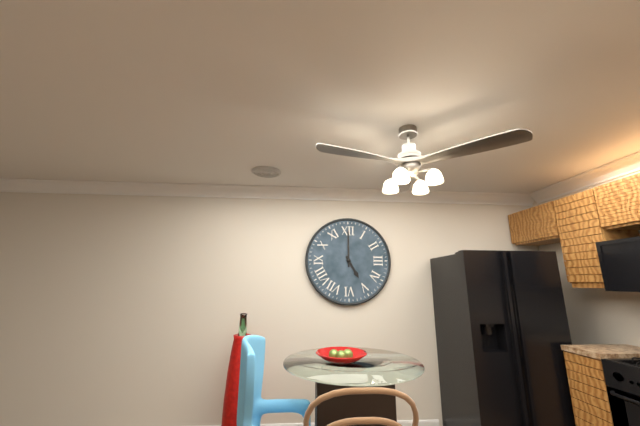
5:00
